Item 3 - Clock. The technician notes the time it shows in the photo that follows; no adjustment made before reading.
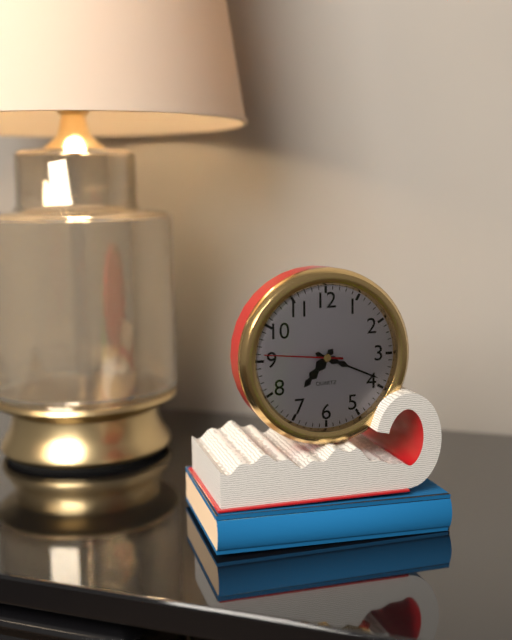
7:19:46
